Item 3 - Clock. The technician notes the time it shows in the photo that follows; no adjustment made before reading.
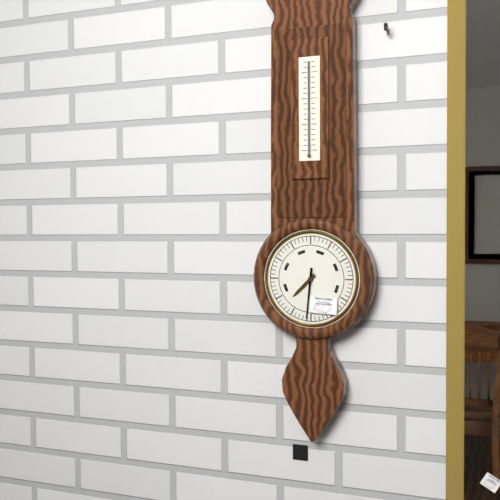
7:31
